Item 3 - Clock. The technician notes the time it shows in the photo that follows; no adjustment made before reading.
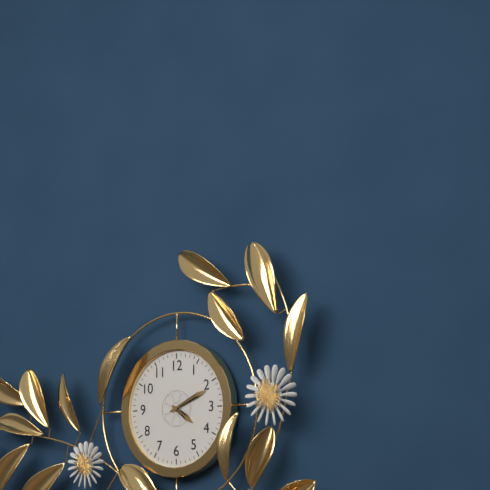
4:11
